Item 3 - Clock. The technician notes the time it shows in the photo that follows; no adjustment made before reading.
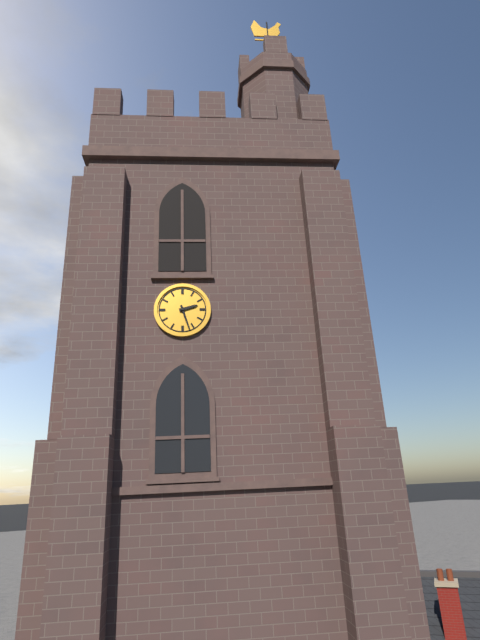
2:27
